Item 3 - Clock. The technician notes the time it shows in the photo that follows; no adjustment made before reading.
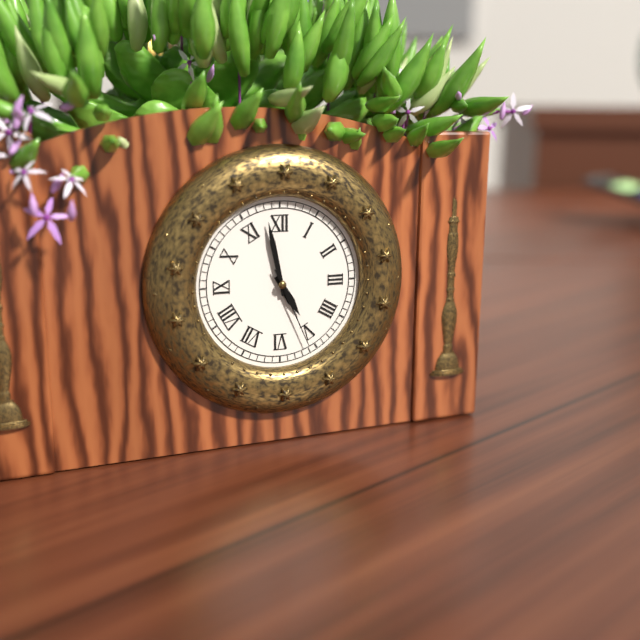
4:58:26
